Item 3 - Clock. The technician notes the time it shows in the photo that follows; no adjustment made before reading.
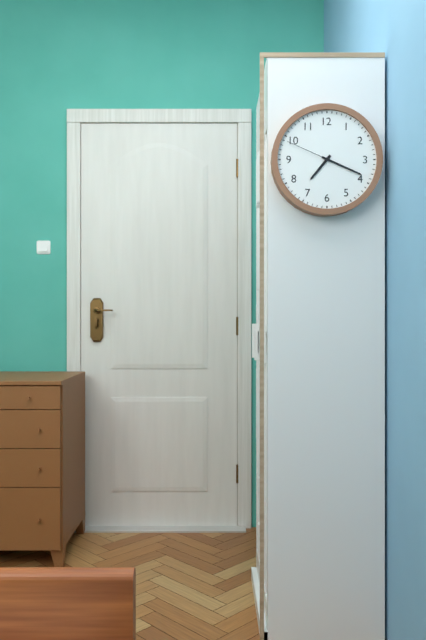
7:19:49
